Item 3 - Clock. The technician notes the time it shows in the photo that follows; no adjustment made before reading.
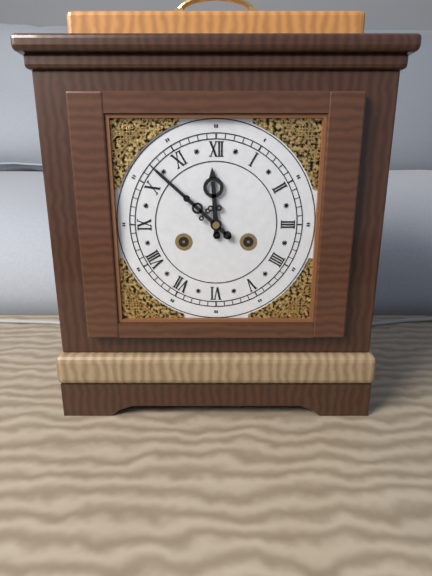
11:52
